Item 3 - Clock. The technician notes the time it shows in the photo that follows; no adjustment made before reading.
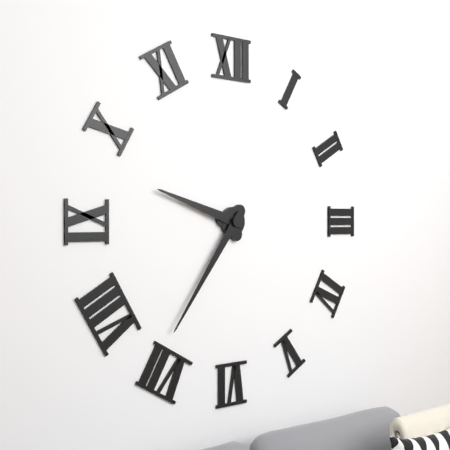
9:36
